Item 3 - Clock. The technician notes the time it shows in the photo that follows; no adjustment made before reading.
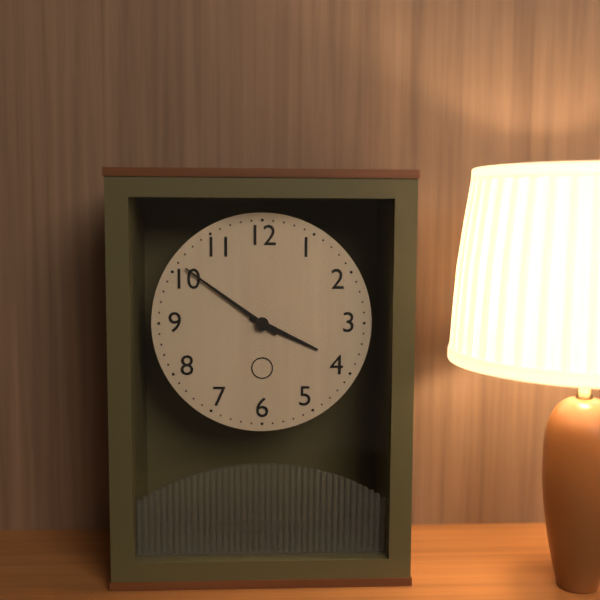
3:51
